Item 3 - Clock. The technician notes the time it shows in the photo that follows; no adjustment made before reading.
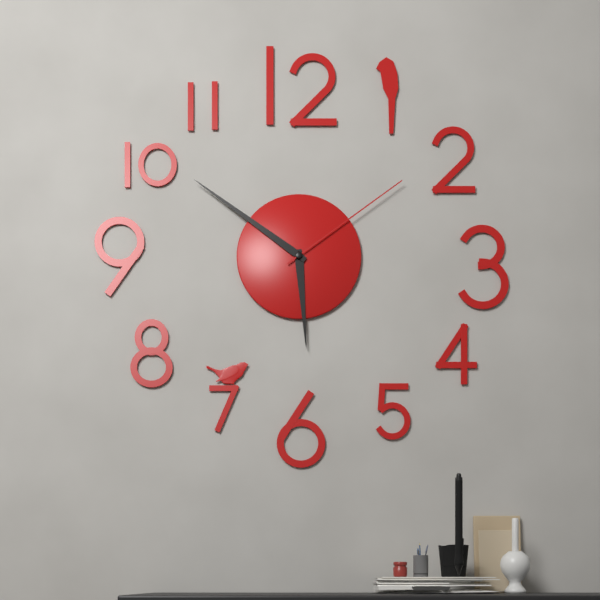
5:51:09
